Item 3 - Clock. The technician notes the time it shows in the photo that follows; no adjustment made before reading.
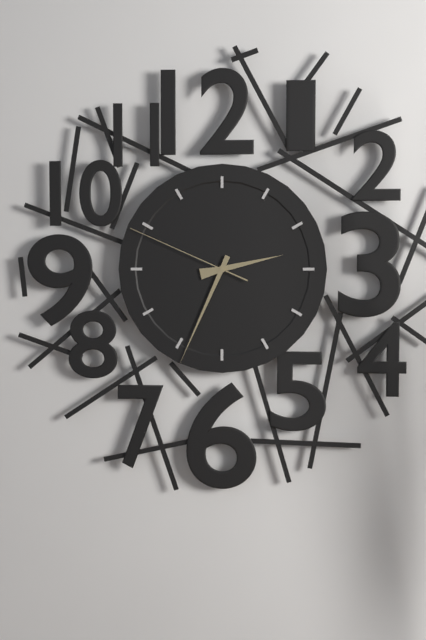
2:34:49
